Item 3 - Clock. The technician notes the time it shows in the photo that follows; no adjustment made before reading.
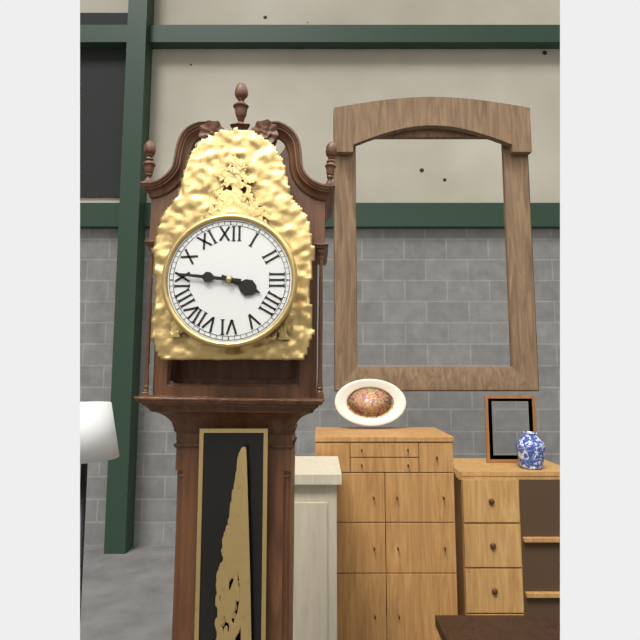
3:46
